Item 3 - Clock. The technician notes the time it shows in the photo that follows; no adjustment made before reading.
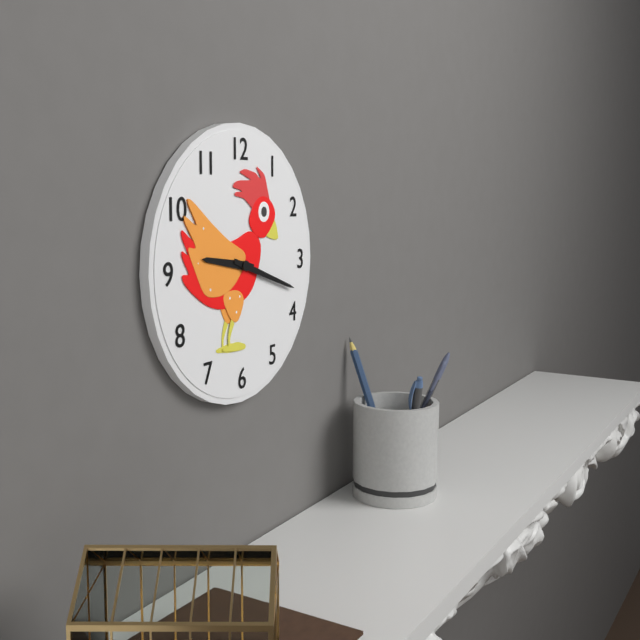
9:18
